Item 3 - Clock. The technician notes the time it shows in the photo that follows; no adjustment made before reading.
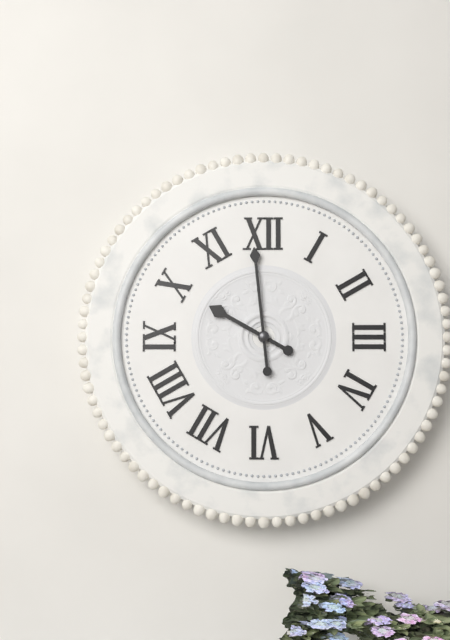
9:59
